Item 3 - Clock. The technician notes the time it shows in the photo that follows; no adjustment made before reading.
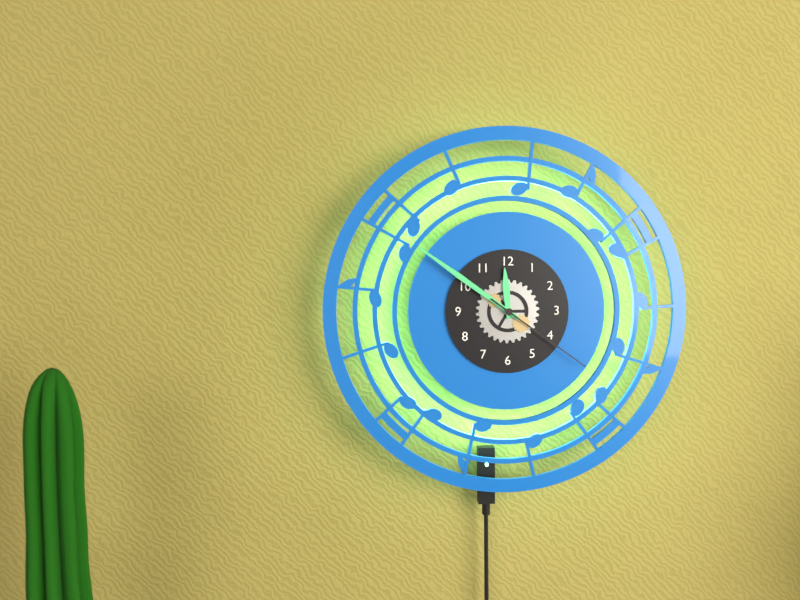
11:51:21
